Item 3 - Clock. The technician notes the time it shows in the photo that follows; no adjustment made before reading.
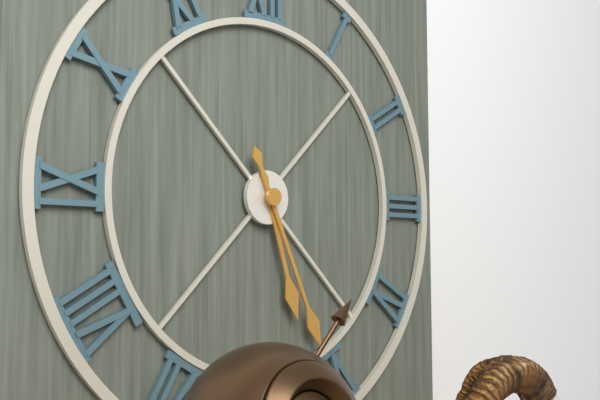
5:26
